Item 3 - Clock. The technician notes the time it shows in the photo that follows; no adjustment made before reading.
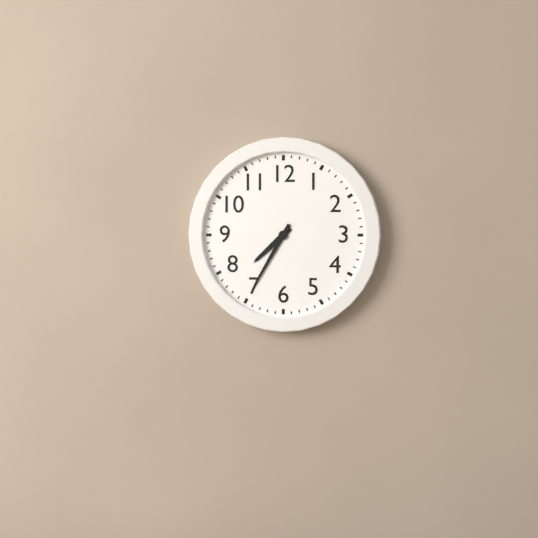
7:35
